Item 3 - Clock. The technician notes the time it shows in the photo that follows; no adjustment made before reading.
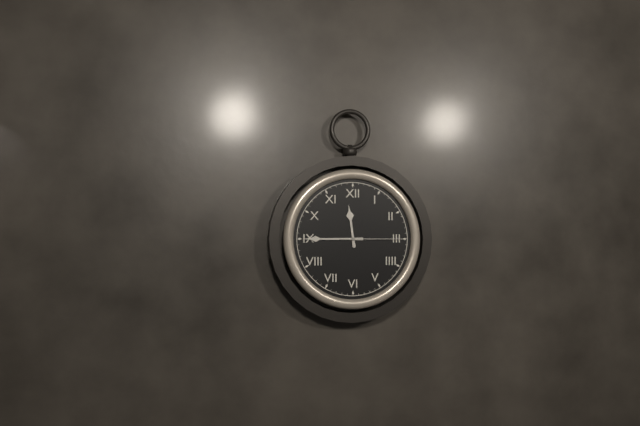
11:45:15
